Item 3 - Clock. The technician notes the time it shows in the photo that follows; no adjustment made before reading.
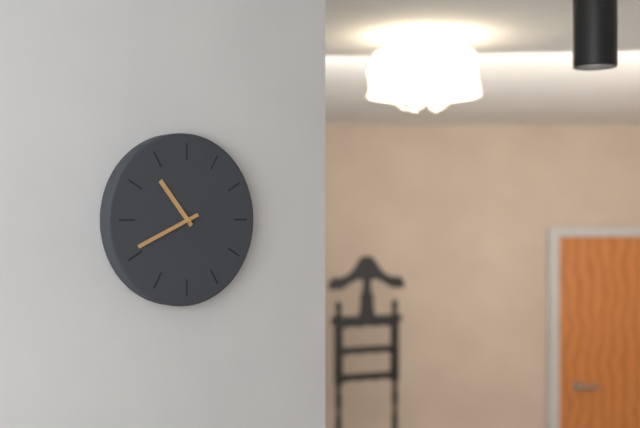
10:41
